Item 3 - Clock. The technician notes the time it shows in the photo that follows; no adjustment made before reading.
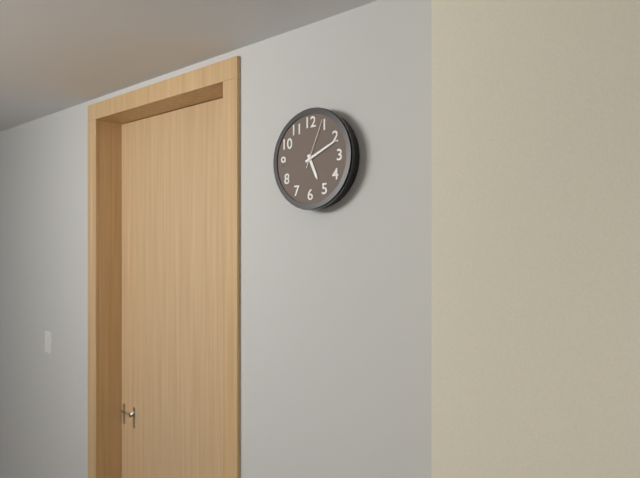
5:11:04
